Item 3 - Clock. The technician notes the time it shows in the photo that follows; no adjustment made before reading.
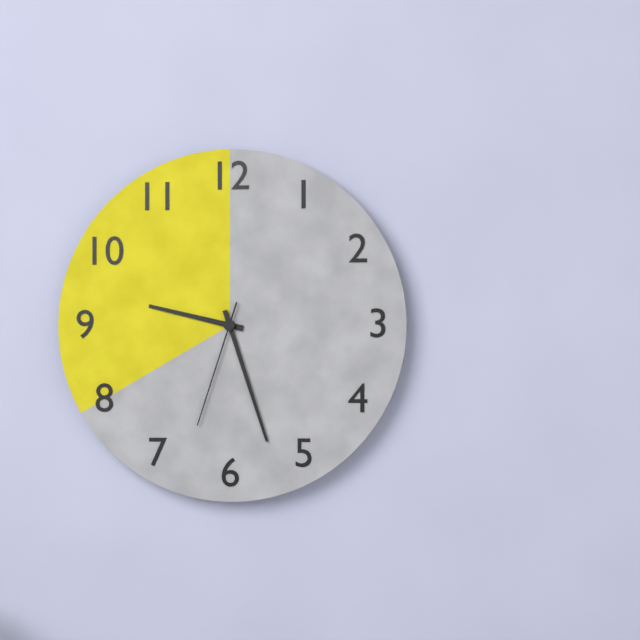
9:27:33
